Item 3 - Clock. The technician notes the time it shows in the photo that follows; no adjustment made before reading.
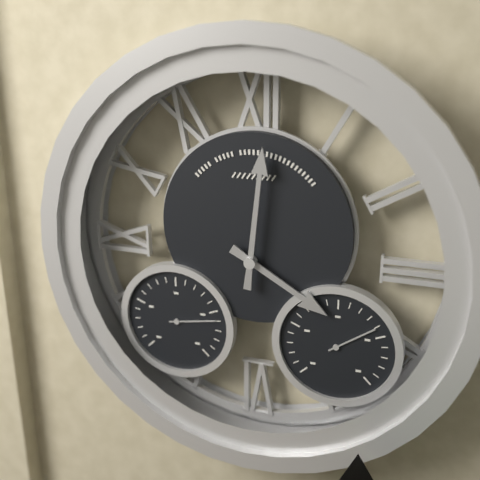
4:01
